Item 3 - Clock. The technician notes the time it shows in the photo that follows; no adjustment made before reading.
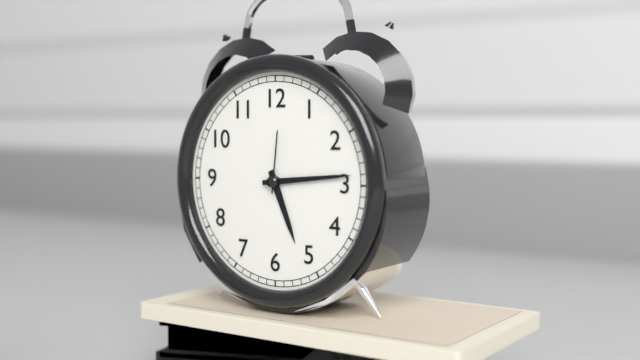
5:14:01
